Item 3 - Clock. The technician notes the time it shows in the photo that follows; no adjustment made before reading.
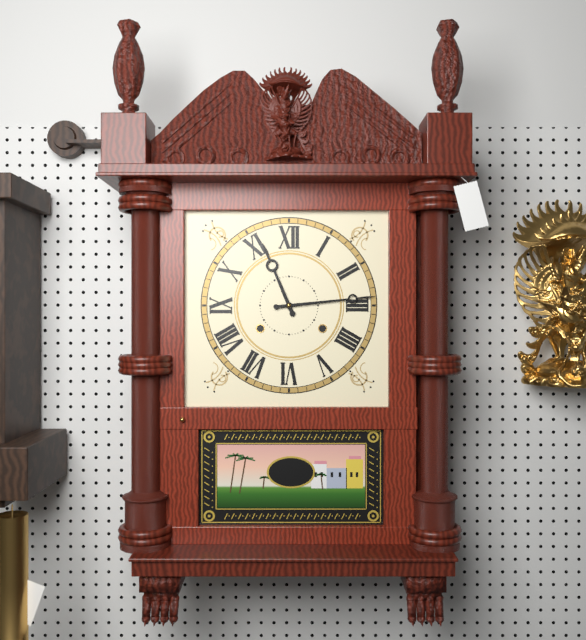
11:14
